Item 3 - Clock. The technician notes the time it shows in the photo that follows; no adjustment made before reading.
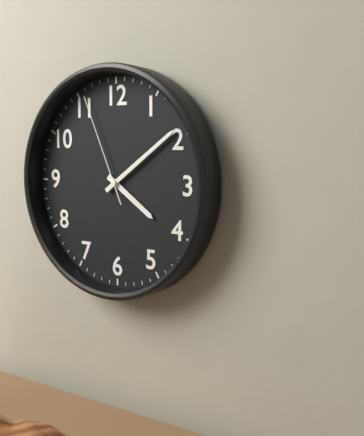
4:09:56
